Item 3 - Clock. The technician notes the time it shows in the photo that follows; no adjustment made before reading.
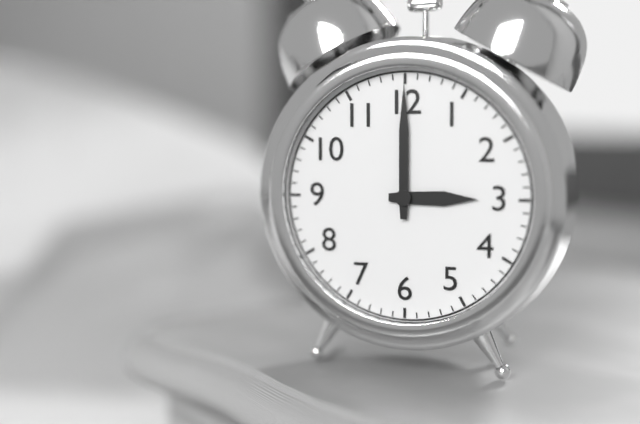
3:00
